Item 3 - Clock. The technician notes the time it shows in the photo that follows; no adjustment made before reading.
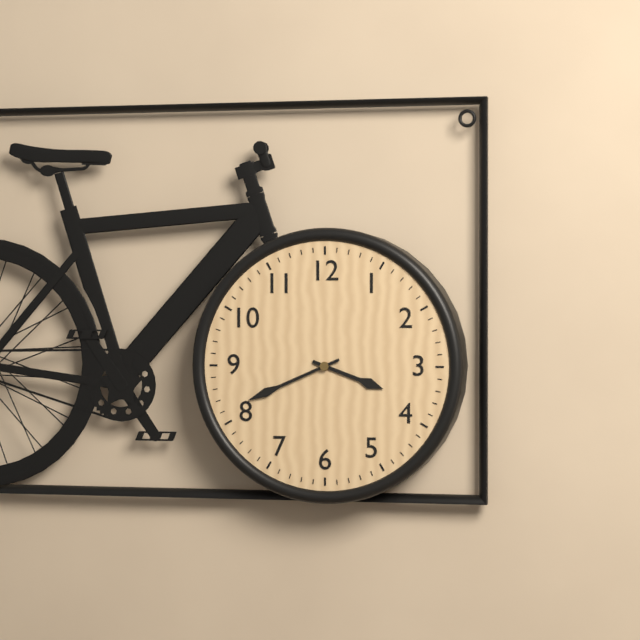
3:41
